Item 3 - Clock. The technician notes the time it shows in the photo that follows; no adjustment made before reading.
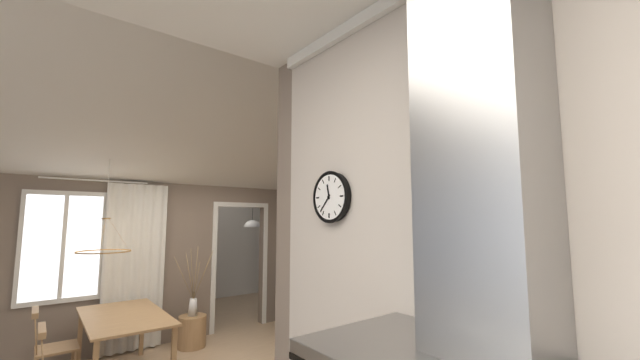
11:37
